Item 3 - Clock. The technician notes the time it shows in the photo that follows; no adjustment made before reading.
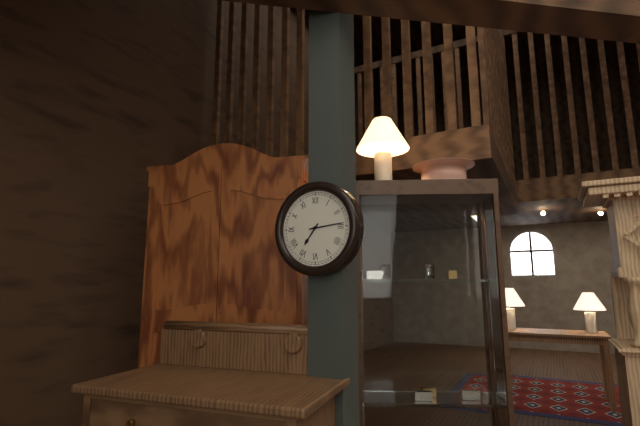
7:14
